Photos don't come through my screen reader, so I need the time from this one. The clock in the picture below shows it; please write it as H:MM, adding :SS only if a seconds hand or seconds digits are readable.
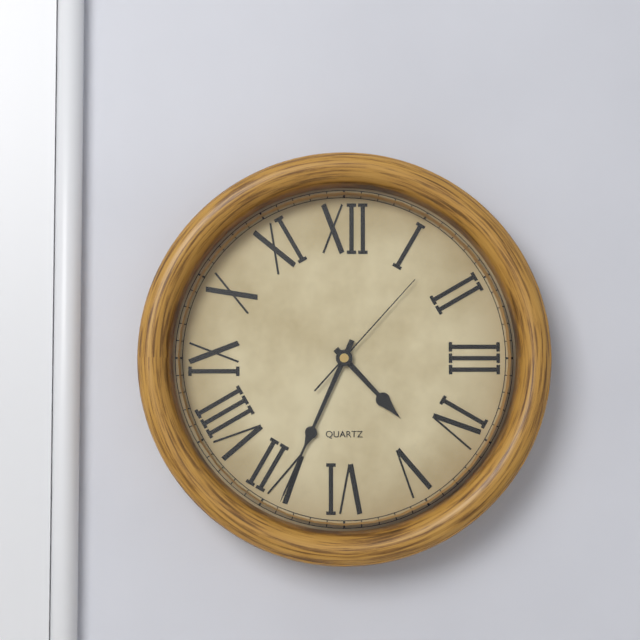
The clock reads 4:34:07
